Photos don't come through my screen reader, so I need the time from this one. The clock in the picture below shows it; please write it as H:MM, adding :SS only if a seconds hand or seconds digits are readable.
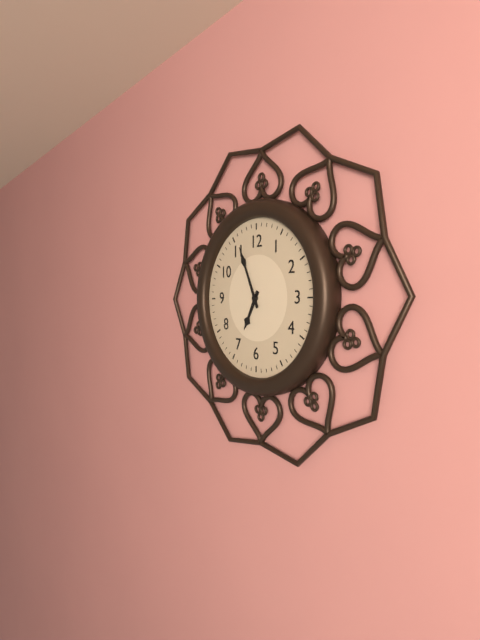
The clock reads 6:56
